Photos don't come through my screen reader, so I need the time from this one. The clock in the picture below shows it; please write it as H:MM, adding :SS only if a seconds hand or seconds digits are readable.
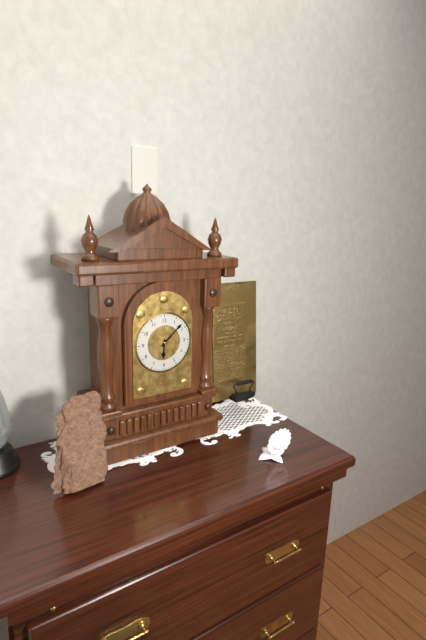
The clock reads 6:08
